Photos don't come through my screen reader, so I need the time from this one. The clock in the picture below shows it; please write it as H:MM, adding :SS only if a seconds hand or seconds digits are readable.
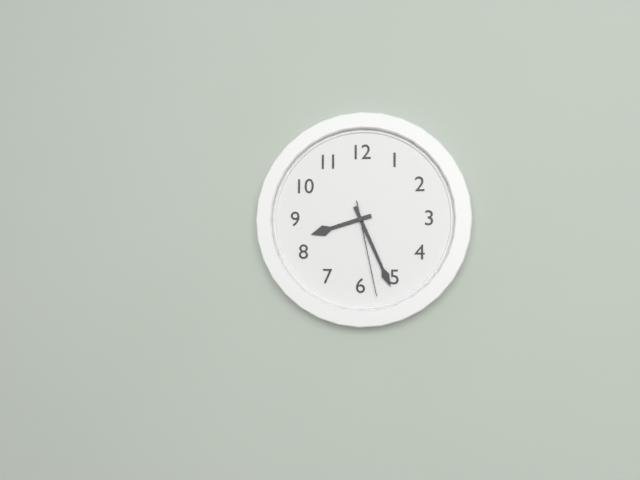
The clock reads 8:26:28
